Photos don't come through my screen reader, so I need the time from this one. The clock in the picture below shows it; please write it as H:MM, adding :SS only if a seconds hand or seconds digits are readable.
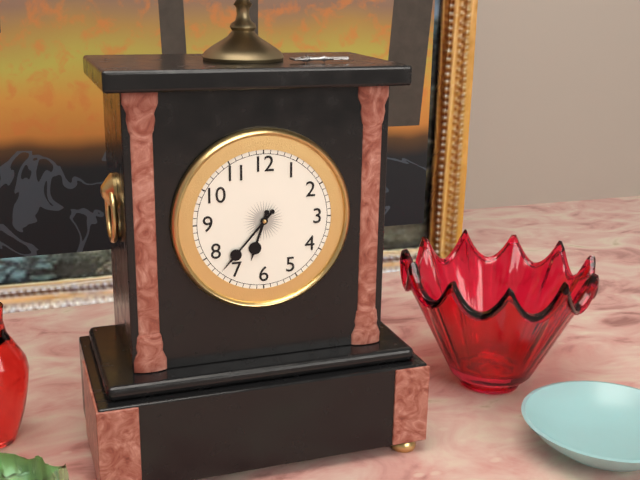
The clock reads 6:37
